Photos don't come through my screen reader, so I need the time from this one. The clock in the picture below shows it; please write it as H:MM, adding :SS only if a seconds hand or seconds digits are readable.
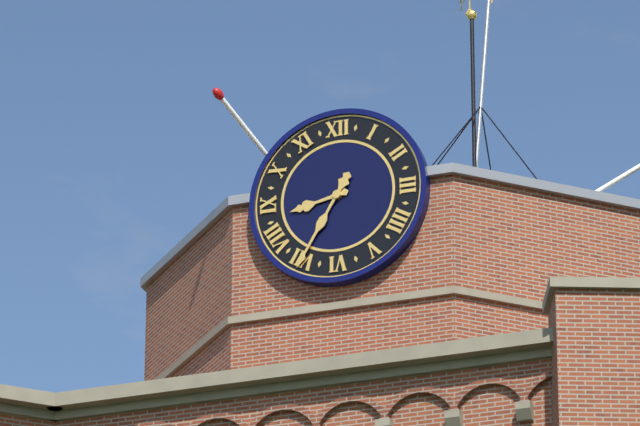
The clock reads 8:35
